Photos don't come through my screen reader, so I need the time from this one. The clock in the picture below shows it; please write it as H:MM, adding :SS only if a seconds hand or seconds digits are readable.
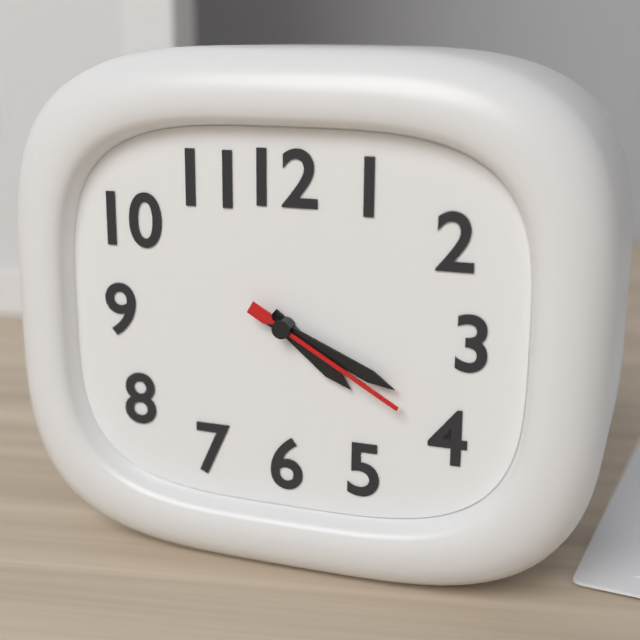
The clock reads 4:19:20
